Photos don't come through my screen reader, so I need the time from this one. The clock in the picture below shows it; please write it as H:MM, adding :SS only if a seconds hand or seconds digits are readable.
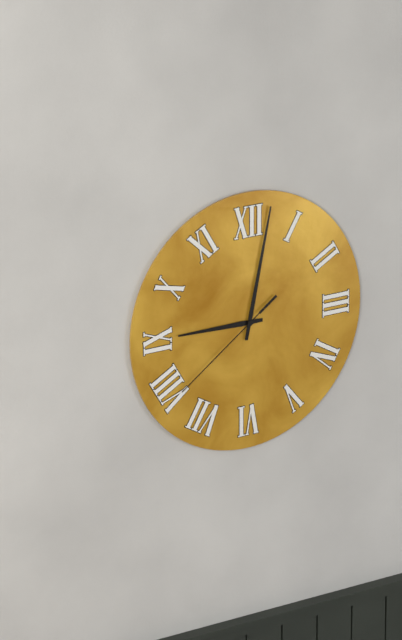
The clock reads 9:02:39
